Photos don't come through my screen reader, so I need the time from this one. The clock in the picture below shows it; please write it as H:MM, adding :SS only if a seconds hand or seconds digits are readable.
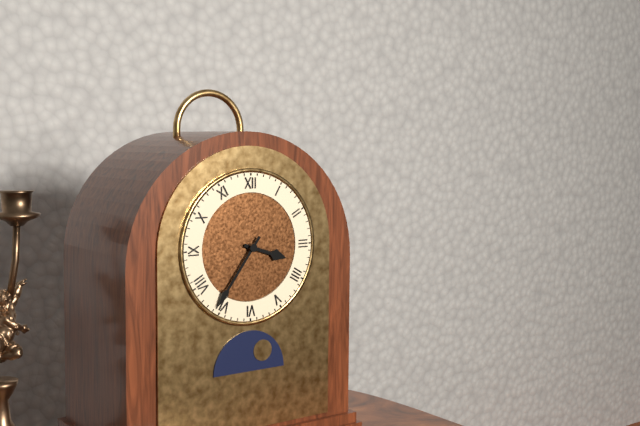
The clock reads 3:36
